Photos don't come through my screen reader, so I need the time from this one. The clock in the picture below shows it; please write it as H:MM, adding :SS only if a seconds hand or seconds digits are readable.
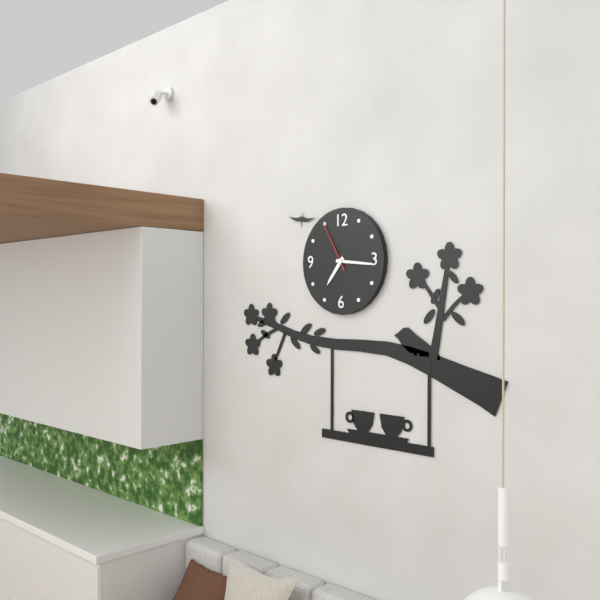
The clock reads 7:16:55
